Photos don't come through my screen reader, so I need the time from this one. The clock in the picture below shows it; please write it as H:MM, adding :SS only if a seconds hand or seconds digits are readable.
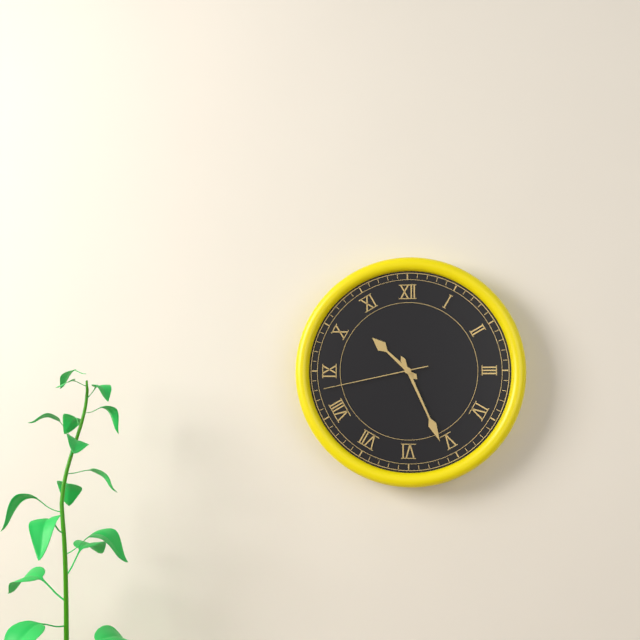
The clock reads 10:26:43
